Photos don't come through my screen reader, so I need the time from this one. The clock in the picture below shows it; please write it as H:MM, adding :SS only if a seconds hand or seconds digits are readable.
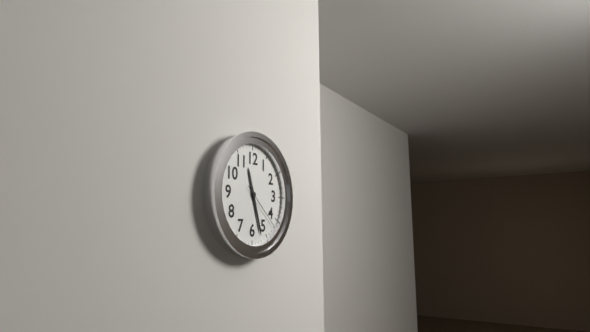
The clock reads 11:27
